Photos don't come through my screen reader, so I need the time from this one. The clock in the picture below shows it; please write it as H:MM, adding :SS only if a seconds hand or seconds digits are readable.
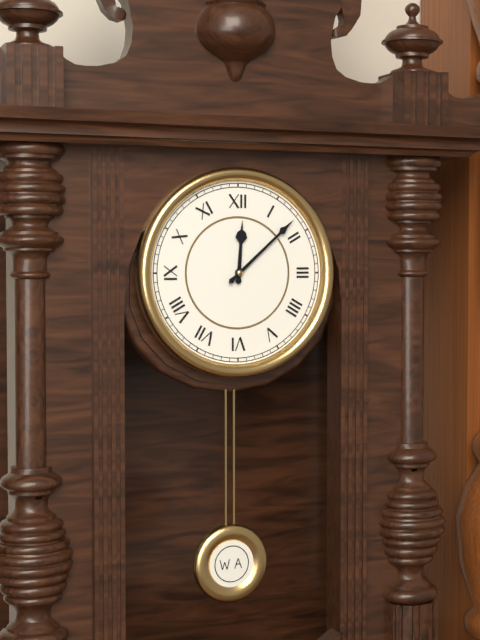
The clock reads 12:08
